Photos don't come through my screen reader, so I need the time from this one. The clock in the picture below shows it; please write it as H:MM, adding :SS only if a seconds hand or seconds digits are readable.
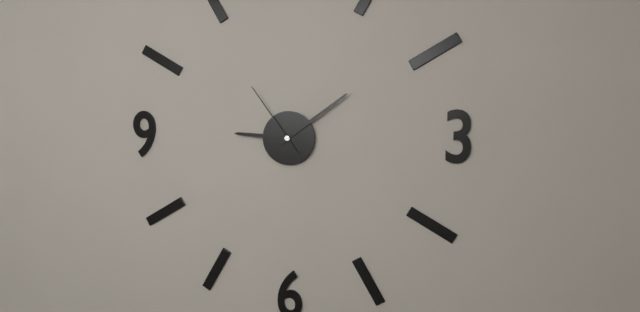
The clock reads 9:09:54
